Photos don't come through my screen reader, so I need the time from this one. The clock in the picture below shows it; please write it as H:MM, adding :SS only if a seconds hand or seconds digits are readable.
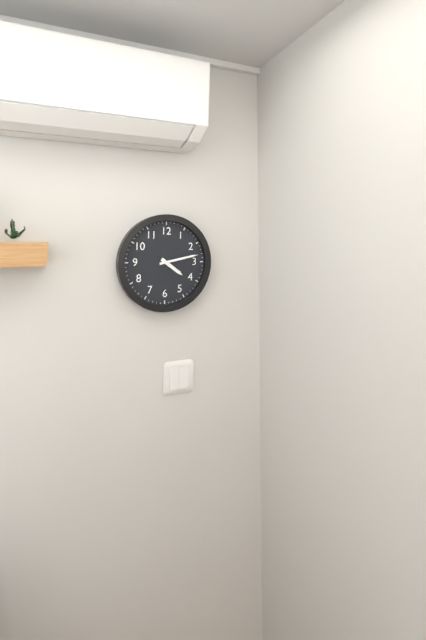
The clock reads 4:13
